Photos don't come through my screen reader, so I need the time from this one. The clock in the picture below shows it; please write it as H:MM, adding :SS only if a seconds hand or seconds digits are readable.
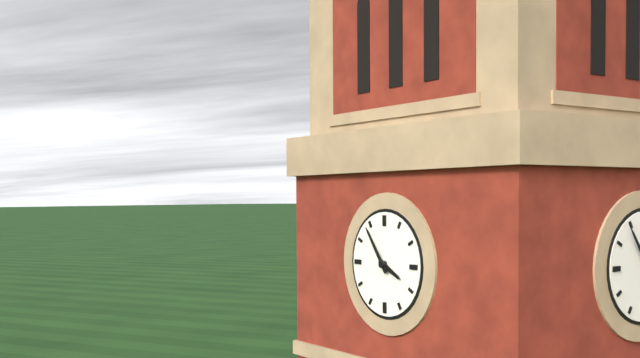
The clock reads 3:54
